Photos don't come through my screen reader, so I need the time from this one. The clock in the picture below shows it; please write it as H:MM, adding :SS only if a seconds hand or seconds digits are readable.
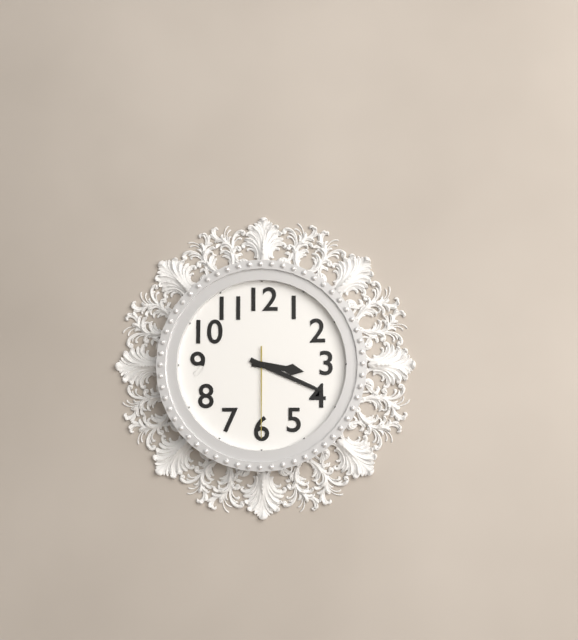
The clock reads 3:19:30
